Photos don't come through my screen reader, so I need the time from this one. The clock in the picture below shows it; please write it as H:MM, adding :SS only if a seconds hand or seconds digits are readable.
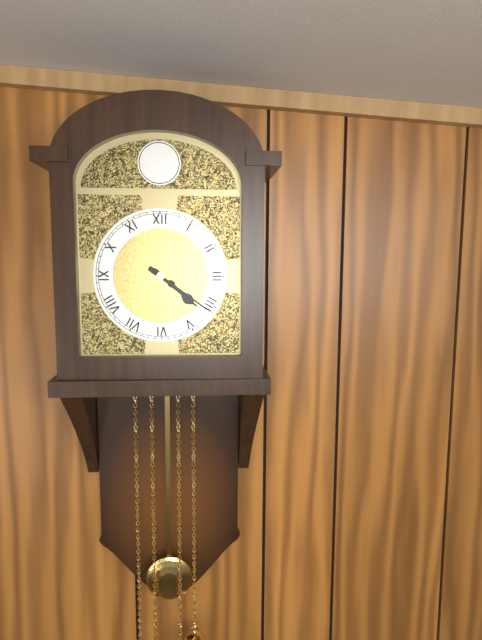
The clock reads 4:21
